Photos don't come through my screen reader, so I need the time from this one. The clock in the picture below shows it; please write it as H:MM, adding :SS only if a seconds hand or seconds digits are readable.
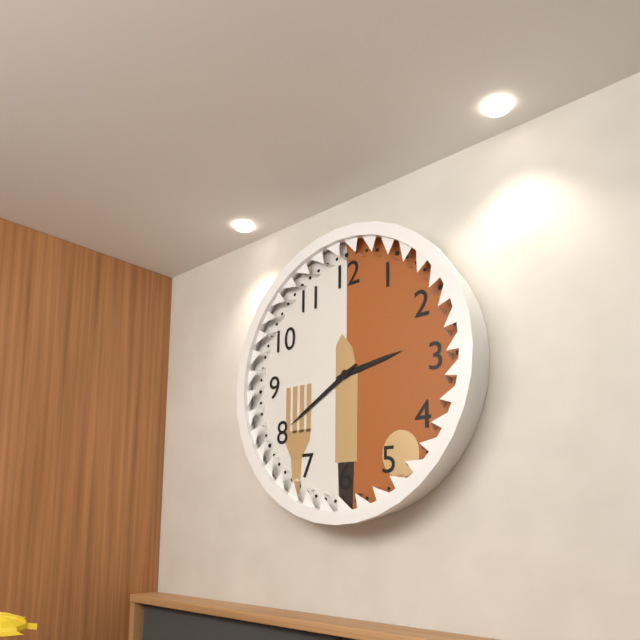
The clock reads 2:40
